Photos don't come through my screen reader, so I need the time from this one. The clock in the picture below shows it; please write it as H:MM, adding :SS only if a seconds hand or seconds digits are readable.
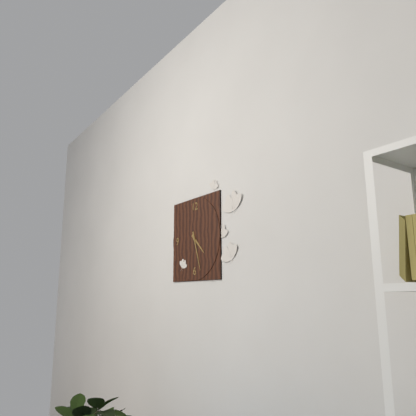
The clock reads 4:27
